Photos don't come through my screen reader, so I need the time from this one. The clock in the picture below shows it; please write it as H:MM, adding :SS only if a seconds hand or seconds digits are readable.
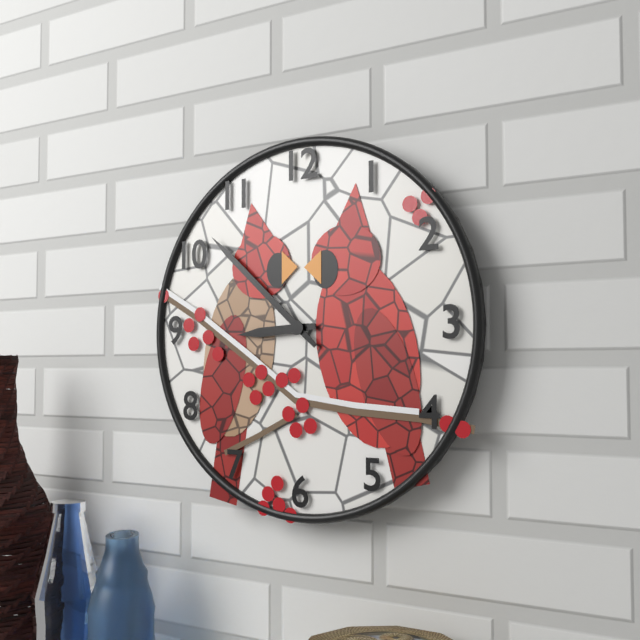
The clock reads 8:52
